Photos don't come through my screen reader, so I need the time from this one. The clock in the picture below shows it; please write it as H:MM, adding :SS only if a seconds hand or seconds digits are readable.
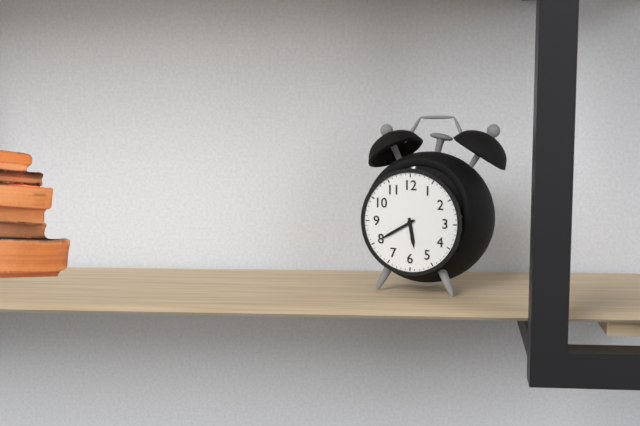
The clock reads 5:40
